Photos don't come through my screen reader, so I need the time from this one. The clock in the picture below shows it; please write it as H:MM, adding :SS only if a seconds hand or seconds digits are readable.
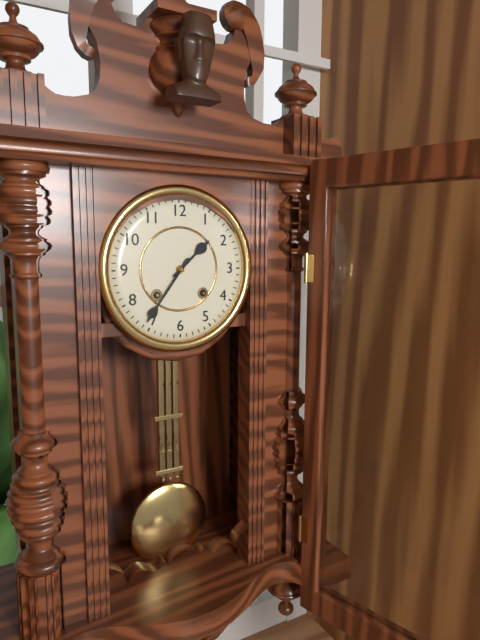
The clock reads 1:36
